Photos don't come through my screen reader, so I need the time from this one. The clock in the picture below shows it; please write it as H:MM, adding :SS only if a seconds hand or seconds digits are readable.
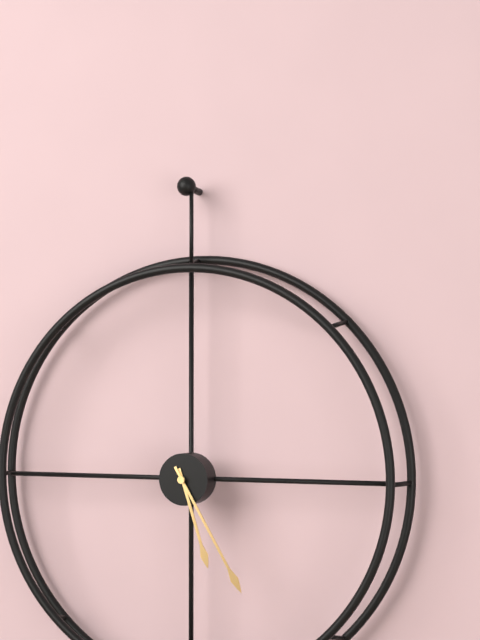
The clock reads 5:25
